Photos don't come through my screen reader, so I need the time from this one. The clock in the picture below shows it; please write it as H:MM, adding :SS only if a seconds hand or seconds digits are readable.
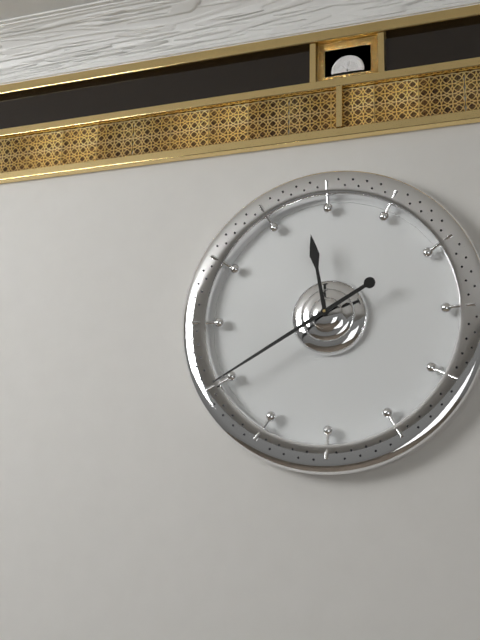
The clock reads 11:40
